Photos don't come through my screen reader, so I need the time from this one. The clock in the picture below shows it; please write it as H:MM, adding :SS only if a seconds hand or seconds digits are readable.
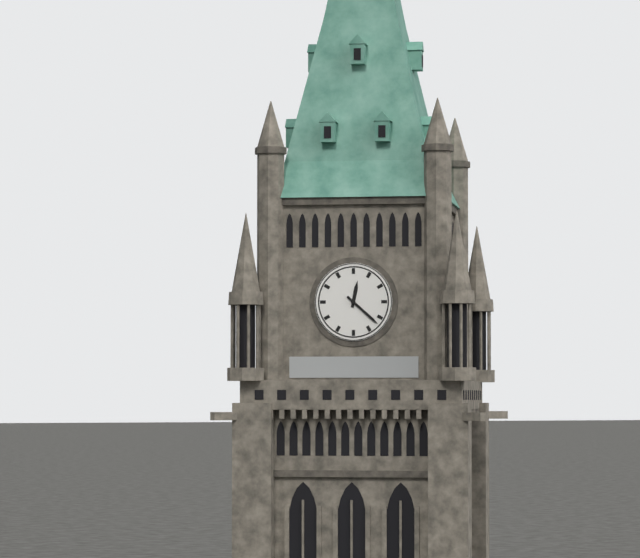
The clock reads 12:22
